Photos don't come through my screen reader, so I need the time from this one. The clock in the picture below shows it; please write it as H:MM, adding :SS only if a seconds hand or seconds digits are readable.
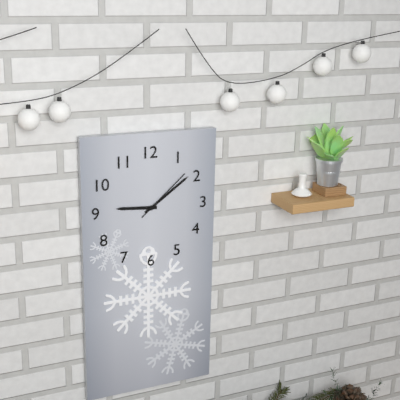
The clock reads 9:09:08
